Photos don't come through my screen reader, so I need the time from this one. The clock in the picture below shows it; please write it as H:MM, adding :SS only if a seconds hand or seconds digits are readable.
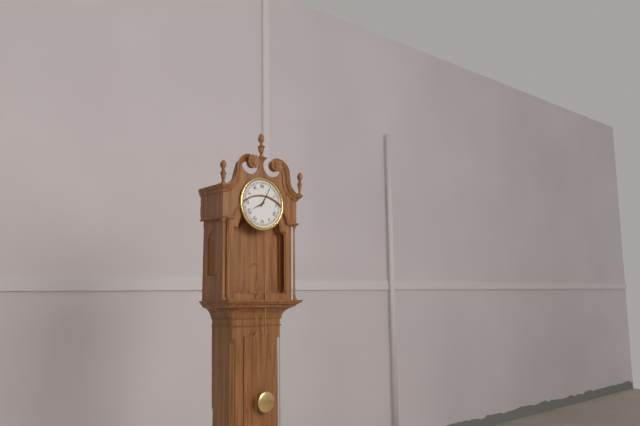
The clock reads 8:05
